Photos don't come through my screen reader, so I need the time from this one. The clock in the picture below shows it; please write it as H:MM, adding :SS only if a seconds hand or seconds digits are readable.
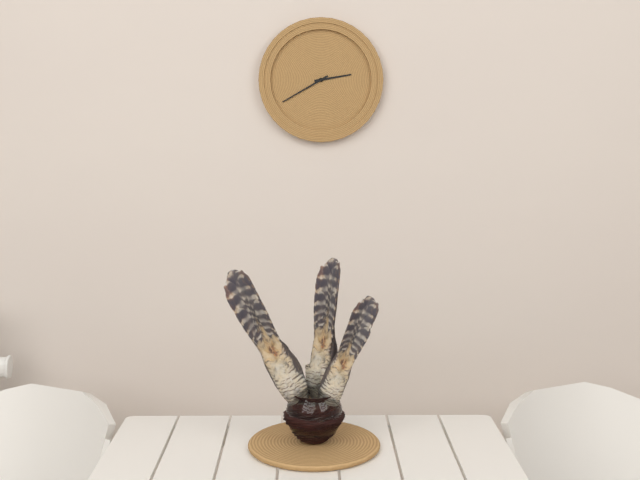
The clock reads 2:40
